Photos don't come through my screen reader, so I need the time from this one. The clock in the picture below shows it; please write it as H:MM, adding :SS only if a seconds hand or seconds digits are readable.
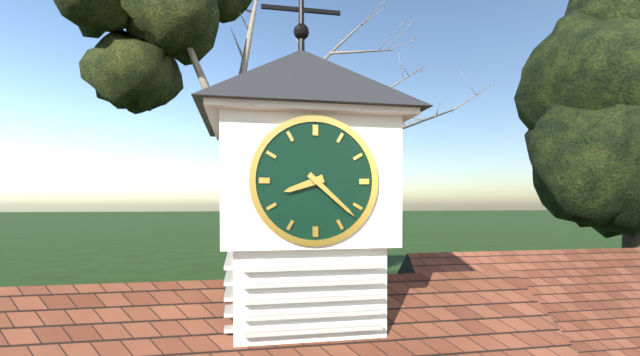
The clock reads 8:22
